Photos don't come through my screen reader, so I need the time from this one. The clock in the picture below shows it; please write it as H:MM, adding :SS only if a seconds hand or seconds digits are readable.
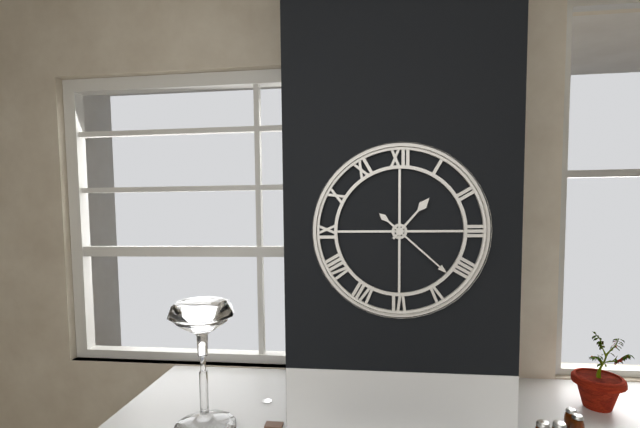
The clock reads 1:22
